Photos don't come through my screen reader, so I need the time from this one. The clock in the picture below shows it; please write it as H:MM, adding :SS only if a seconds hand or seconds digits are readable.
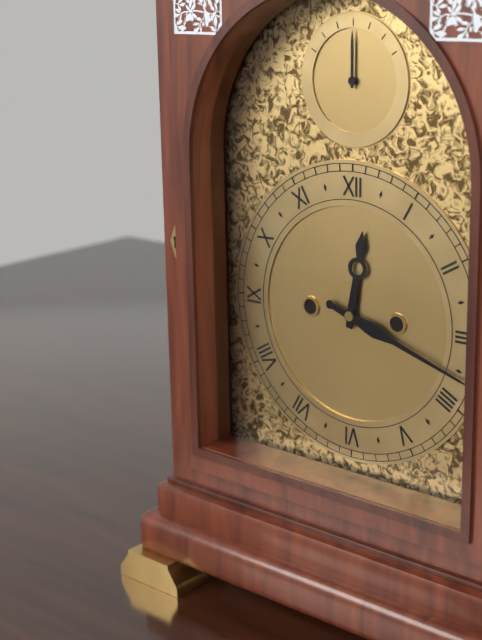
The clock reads 12:18
